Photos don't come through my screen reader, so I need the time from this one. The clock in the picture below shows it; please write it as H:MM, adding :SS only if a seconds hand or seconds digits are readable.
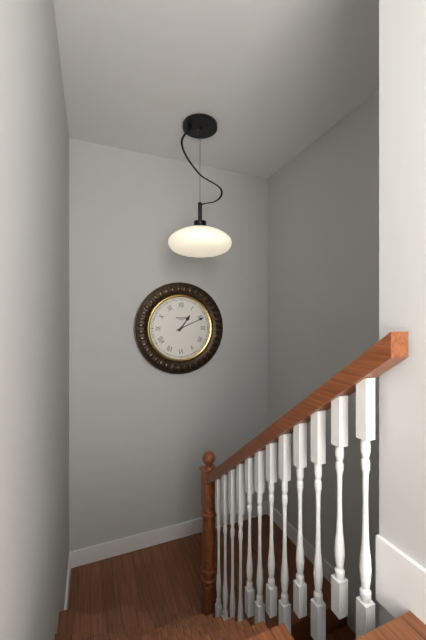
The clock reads 1:11
